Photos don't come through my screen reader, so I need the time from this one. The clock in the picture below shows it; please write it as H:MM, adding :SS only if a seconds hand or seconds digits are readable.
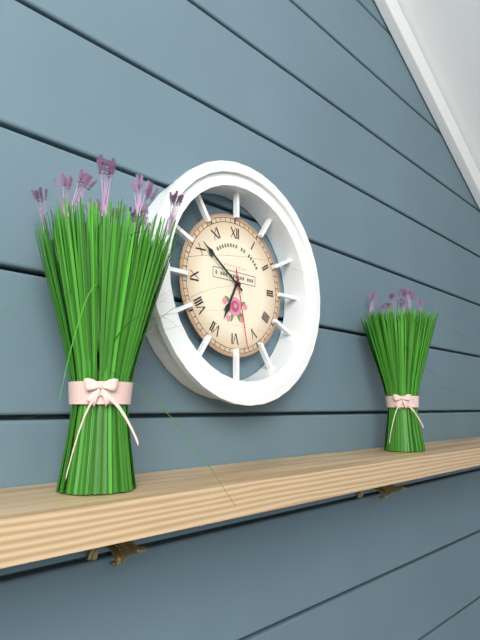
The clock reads 6:51:28
